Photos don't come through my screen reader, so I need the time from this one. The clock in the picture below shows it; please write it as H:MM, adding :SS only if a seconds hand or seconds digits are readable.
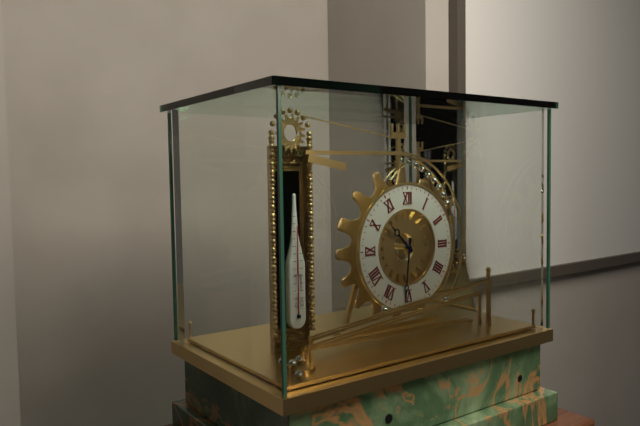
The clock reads 10:31
